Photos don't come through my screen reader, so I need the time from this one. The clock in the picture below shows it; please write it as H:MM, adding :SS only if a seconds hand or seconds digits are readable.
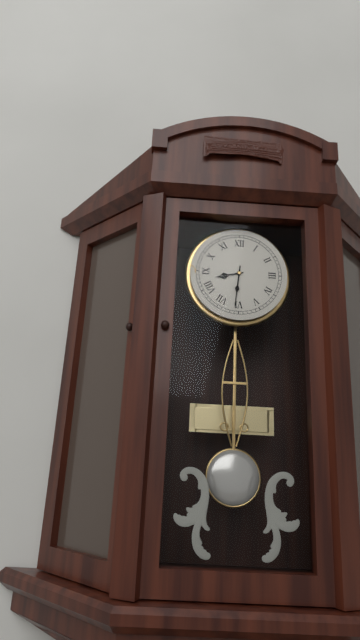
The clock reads 8:31
